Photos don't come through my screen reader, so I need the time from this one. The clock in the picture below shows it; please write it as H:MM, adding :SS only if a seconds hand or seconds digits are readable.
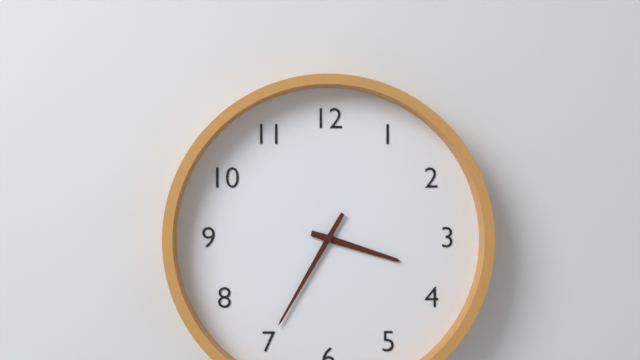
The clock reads 3:35
